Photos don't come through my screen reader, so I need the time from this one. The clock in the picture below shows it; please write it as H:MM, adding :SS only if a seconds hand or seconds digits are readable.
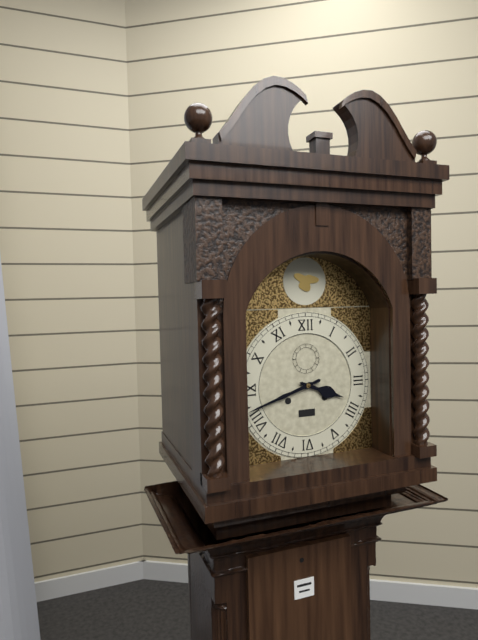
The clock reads 3:42
